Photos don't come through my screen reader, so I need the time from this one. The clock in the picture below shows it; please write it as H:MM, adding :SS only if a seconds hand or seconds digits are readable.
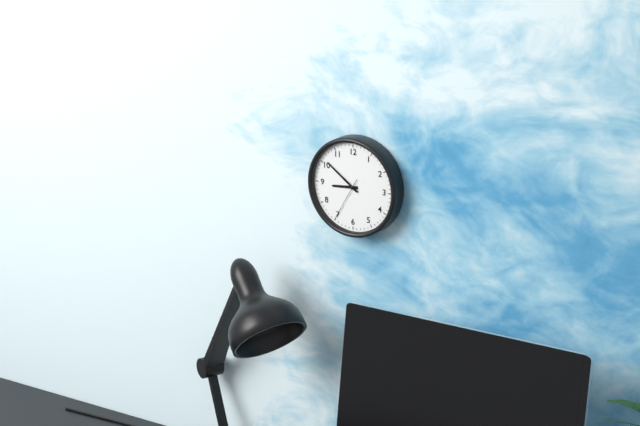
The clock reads 8:51:35
